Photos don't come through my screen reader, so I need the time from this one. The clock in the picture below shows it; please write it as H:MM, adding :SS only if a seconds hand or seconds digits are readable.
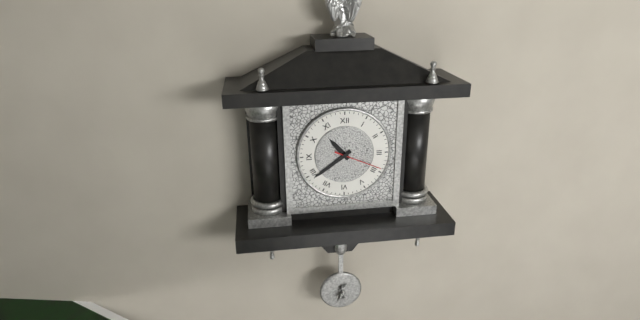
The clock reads 10:39:19
